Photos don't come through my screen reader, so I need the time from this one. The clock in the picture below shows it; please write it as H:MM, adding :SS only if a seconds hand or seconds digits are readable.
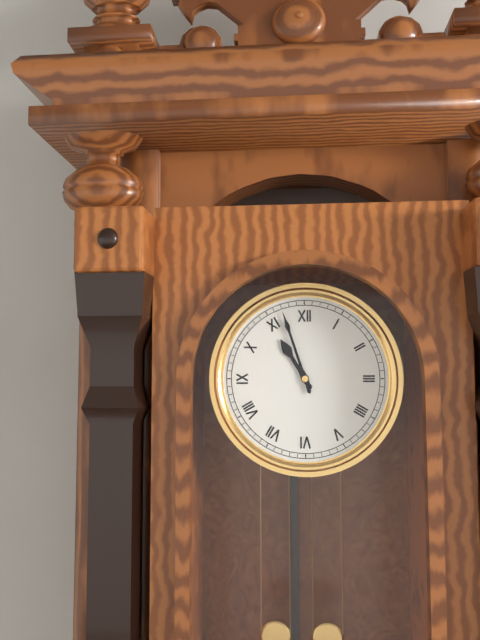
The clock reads 10:57
